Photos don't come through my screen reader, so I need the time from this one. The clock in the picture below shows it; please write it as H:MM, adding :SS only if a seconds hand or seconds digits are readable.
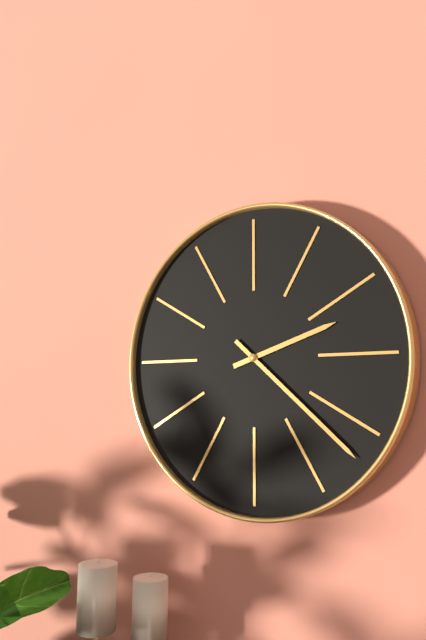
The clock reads 2:22
